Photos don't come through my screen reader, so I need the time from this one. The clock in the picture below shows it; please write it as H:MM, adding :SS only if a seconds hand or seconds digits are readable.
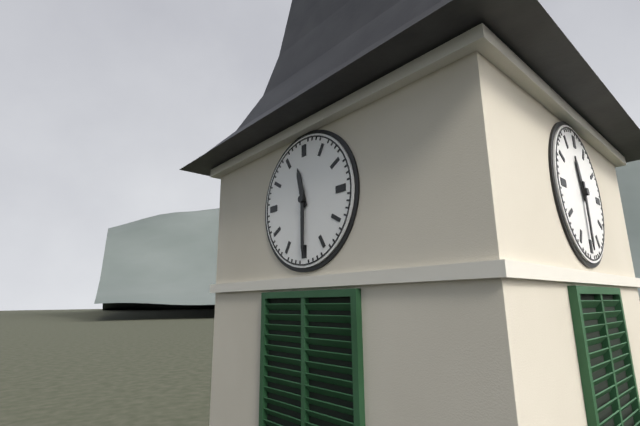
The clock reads 11:30
